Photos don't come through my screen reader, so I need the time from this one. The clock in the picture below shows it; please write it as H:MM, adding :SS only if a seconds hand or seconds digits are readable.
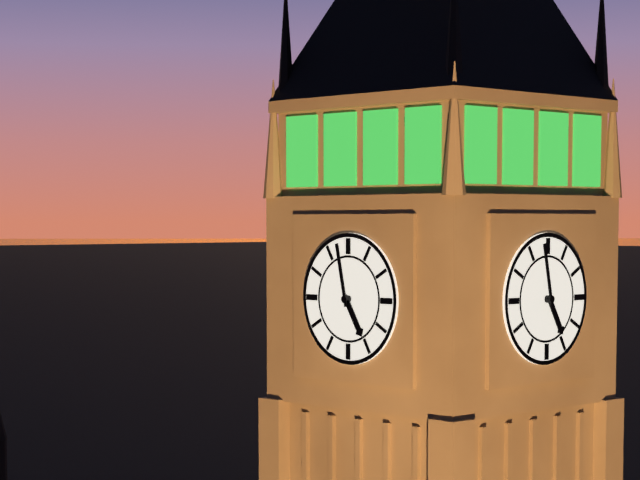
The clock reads 4:58
